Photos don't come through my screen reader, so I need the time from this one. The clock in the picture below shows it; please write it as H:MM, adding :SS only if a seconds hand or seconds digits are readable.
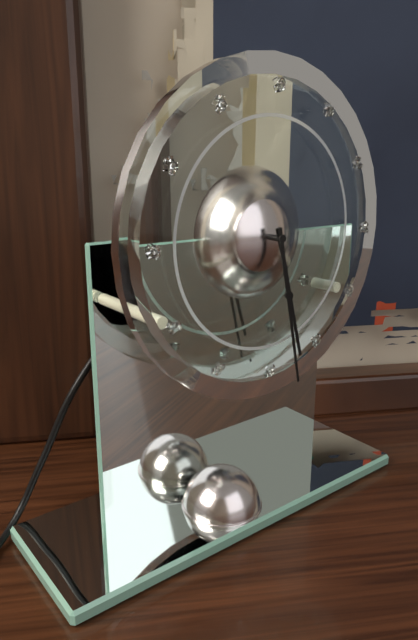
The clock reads 5:28
